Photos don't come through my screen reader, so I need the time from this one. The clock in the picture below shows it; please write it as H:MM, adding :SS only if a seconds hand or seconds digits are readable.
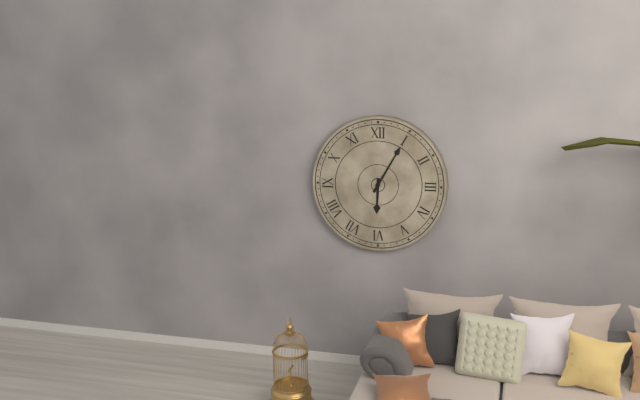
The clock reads 6:05
